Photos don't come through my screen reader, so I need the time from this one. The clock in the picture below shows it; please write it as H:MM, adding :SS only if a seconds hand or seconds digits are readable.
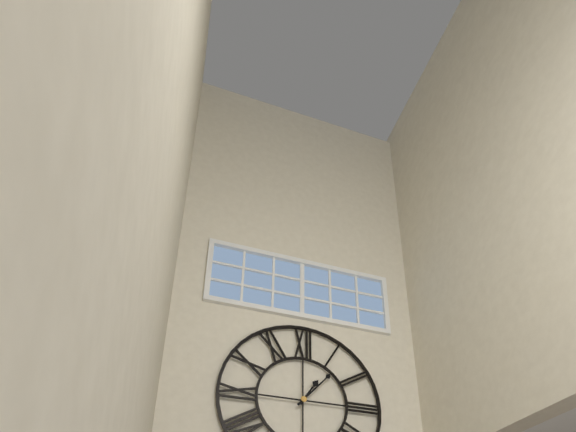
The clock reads 1:07
